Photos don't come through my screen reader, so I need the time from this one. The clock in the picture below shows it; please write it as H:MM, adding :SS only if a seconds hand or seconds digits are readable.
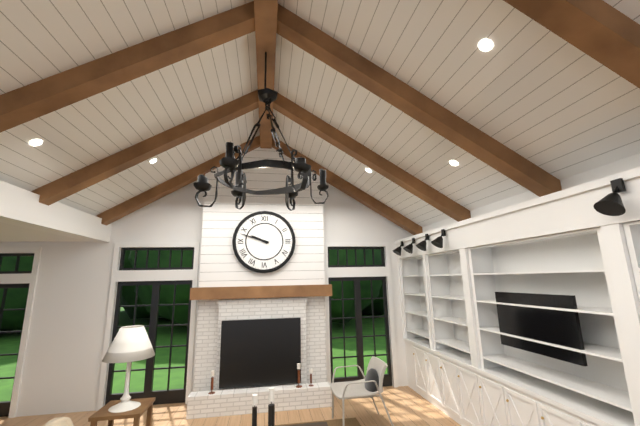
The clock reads 9:48
